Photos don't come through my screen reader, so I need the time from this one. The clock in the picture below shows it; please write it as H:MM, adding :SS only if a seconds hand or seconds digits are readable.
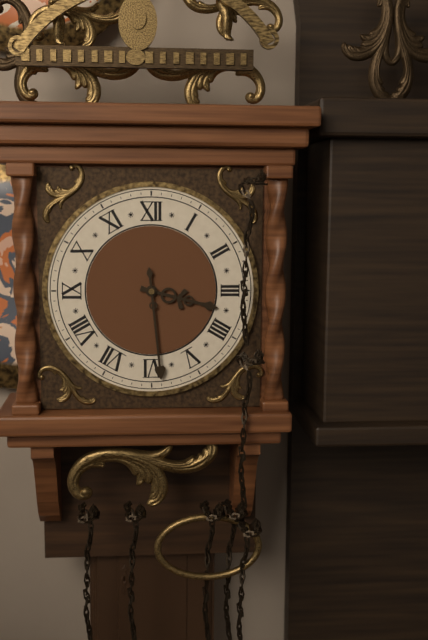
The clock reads 3:29
